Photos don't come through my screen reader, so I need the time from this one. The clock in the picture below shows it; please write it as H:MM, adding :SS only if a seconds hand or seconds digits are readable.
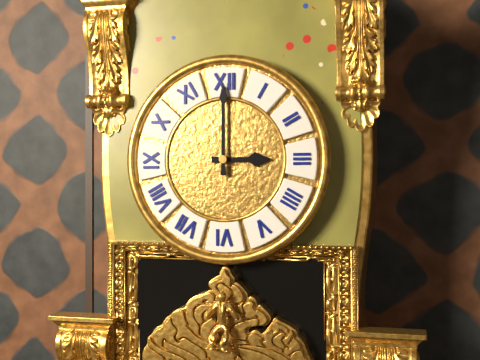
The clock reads 3:00
